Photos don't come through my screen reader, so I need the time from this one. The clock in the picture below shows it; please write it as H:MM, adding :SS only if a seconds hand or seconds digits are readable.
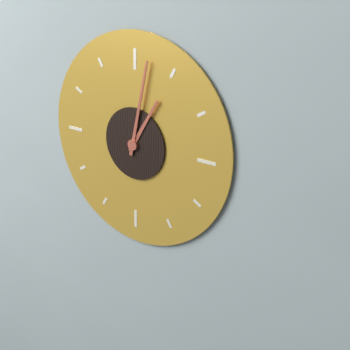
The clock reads 1:02
